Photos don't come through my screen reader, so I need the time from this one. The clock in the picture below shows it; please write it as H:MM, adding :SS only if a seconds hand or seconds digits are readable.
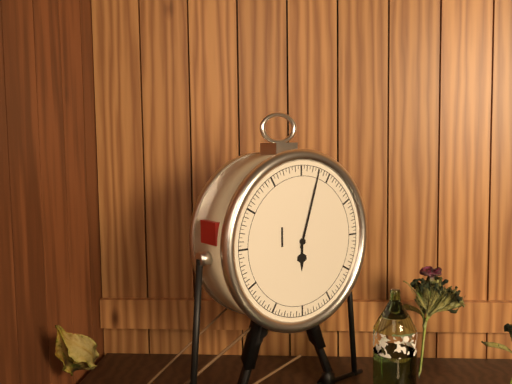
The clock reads 6:03
